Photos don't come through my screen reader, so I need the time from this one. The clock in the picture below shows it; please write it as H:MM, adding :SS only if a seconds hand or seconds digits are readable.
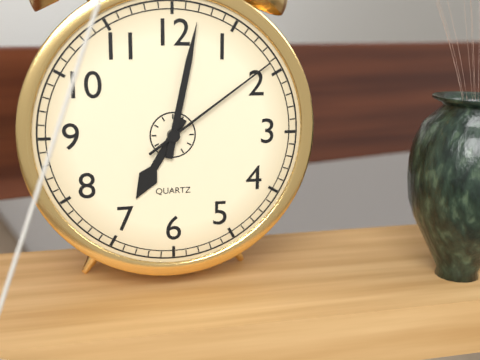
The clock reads 7:02:09
